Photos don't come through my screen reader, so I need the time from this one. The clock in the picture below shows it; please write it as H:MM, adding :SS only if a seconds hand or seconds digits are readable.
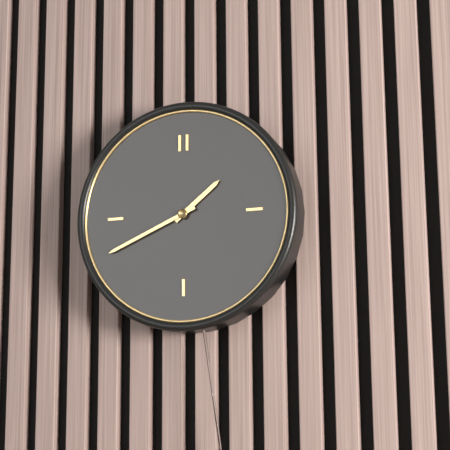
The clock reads 1:41
